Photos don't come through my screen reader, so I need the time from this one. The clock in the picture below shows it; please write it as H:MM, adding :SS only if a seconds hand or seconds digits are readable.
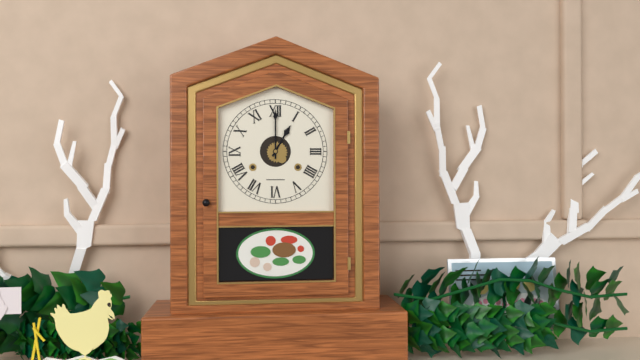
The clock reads 1:00
